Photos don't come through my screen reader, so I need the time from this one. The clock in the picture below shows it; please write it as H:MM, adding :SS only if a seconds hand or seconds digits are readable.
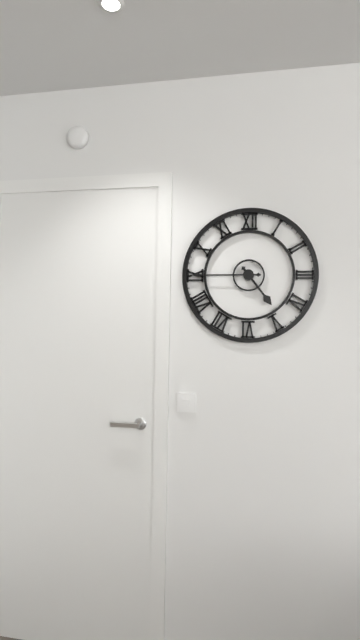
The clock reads 4:45
